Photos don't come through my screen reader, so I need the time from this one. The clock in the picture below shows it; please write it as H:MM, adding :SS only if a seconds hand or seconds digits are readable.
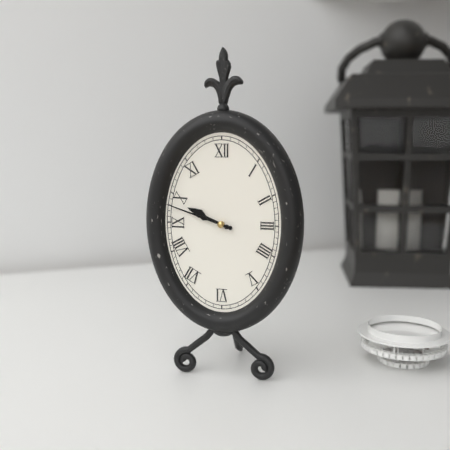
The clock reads 9:48
